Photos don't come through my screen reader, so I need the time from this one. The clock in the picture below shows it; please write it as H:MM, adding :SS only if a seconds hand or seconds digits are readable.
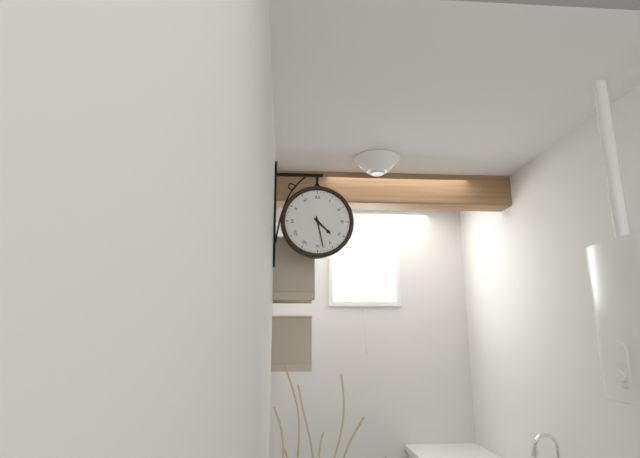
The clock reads 4:28
